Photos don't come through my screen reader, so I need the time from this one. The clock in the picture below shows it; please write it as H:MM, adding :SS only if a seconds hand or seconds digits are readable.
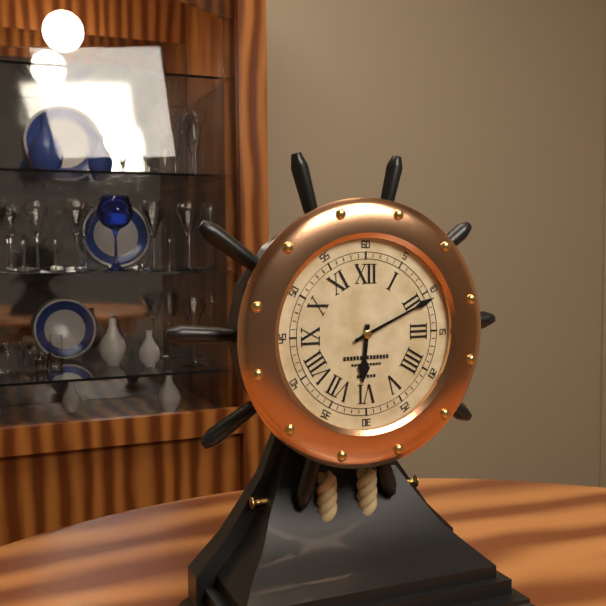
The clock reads 6:11
